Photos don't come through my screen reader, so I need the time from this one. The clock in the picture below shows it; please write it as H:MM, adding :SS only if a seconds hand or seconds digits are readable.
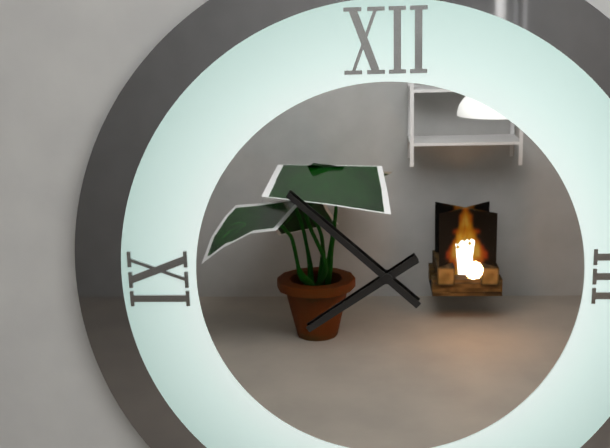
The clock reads 7:52
